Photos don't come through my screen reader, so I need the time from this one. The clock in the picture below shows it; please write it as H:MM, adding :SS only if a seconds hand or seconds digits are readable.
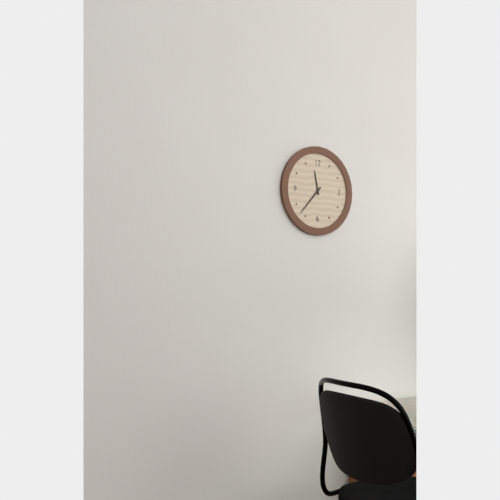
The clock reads 11:37
